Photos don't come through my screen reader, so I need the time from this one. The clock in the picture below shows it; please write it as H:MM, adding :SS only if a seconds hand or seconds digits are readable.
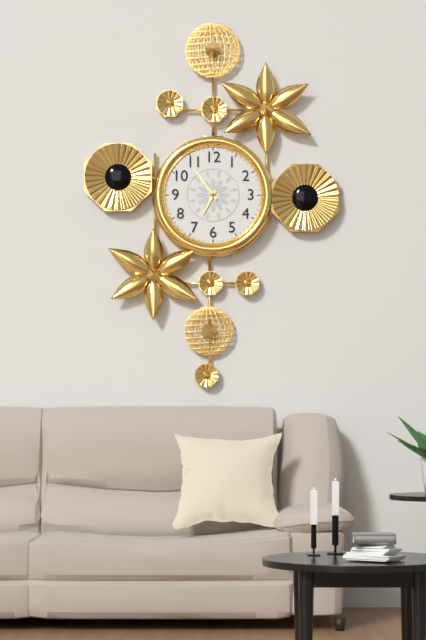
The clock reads 6:54
